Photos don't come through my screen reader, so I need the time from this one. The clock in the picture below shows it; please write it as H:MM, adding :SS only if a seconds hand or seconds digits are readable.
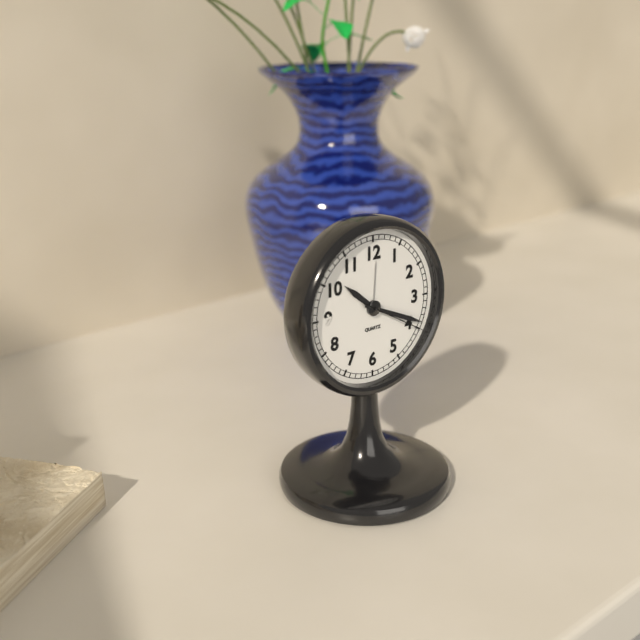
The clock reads 10:19:20
